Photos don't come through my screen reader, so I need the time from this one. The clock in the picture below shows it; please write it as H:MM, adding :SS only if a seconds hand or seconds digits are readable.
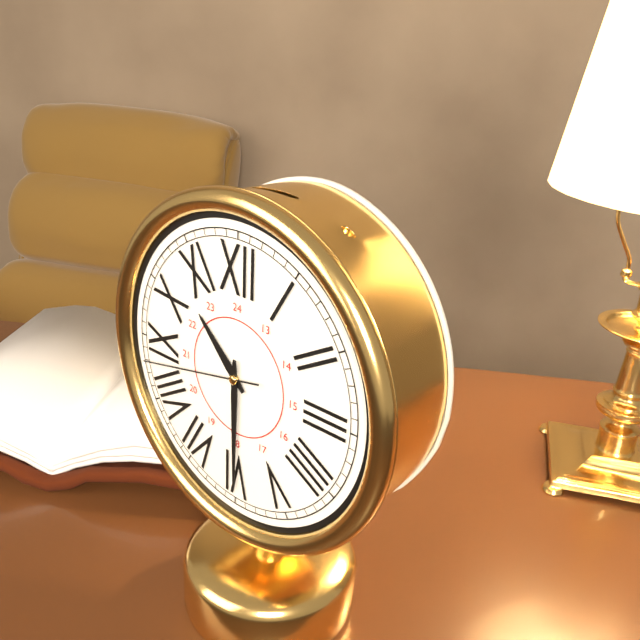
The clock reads 10:30:43
